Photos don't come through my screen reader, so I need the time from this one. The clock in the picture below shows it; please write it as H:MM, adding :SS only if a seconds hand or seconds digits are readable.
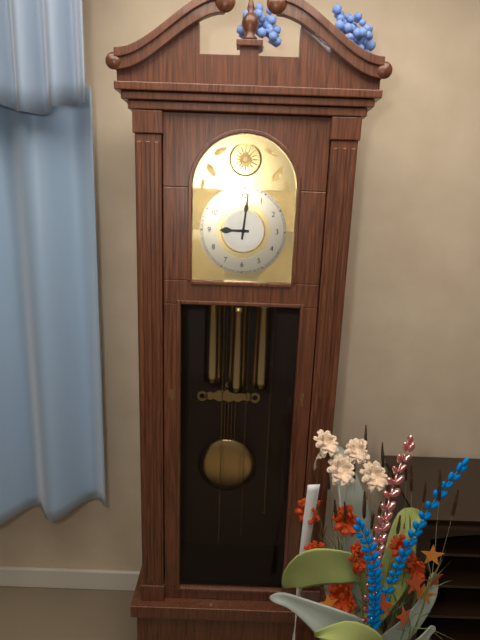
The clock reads 9:01
